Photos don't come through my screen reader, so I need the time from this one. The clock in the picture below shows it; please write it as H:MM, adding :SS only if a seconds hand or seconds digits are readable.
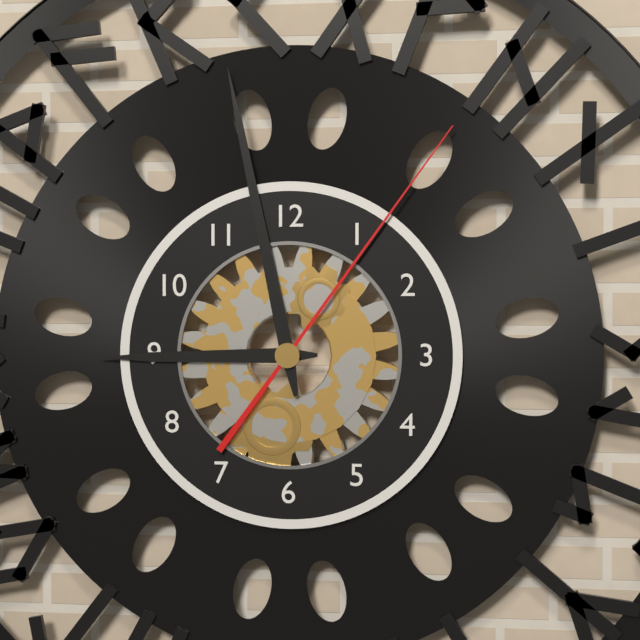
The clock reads 8:58:06
